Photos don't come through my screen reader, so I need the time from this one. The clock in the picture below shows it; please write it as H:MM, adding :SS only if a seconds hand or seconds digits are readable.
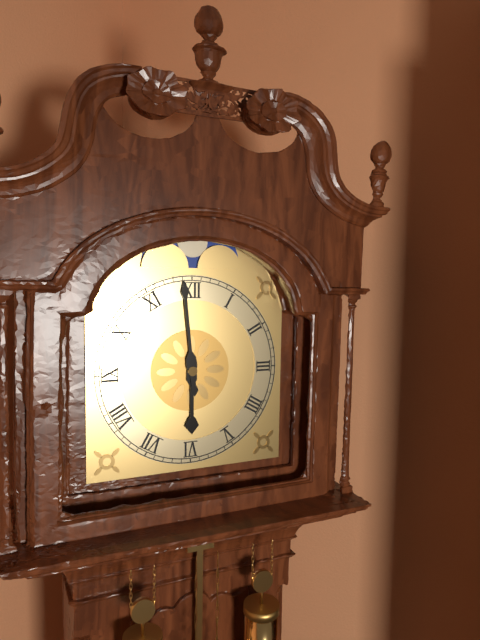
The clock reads 5:59
